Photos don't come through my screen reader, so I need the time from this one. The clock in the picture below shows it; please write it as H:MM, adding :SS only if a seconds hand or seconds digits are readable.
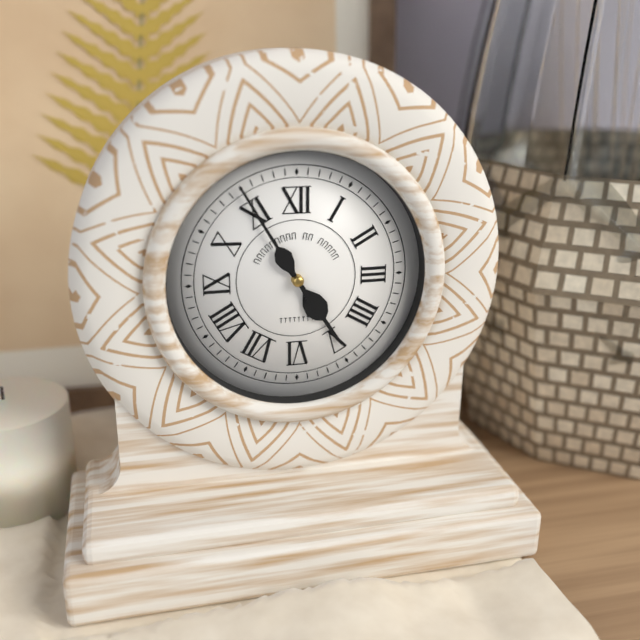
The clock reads 4:55
